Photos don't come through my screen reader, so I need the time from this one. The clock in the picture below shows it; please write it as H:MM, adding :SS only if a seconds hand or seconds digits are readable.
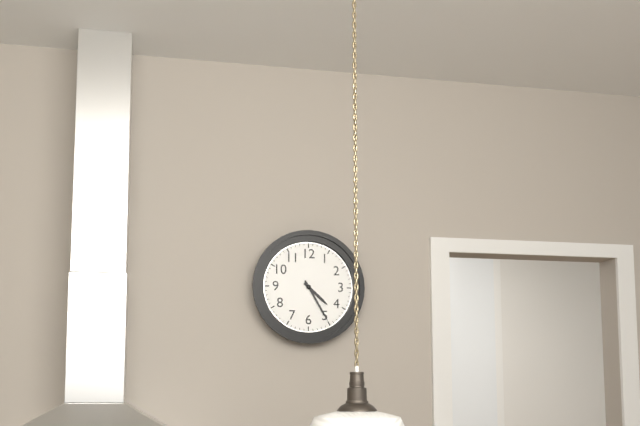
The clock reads 4:25
